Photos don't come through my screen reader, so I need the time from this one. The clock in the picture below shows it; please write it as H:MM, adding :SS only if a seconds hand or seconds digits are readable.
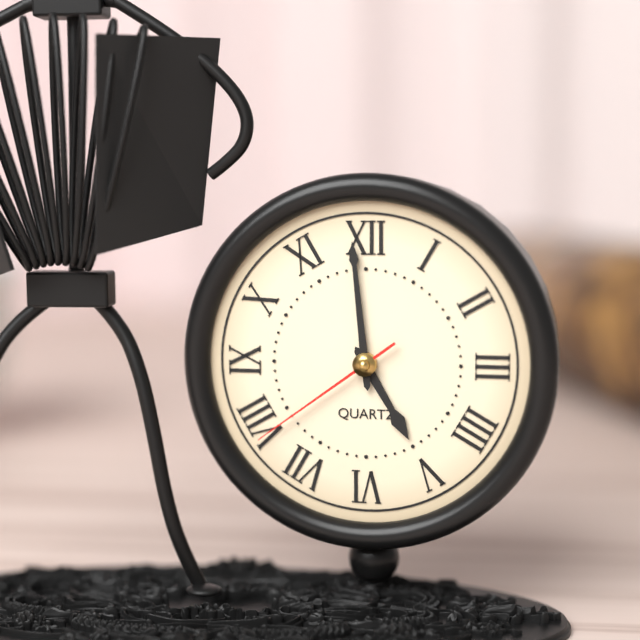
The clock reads 4:59:39
